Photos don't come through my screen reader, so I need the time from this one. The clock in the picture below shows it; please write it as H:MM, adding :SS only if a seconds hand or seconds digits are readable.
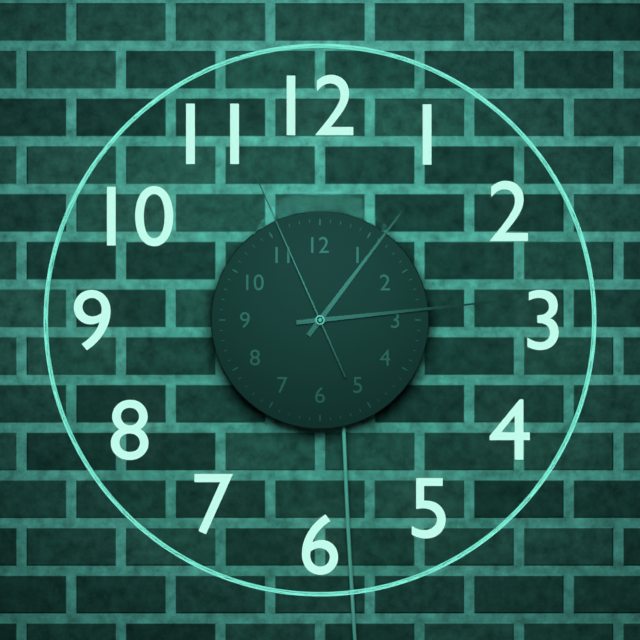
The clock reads 1:14:56
